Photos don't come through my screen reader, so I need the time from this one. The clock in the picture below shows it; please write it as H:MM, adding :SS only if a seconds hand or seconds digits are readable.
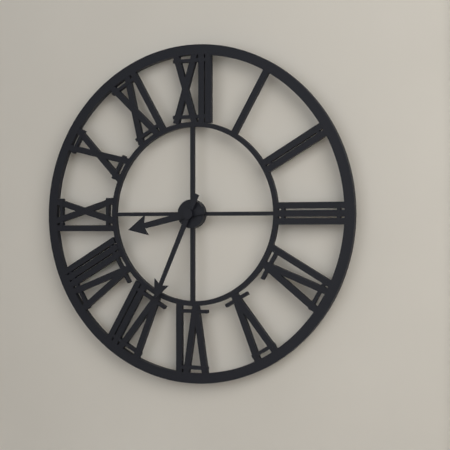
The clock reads 8:34
